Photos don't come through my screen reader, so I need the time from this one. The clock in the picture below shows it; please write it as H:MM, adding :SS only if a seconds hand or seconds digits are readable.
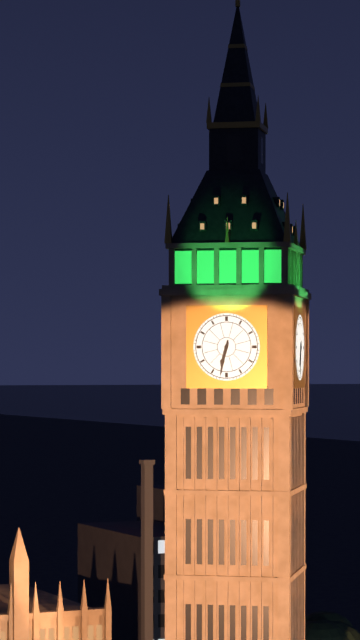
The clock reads 6:32
